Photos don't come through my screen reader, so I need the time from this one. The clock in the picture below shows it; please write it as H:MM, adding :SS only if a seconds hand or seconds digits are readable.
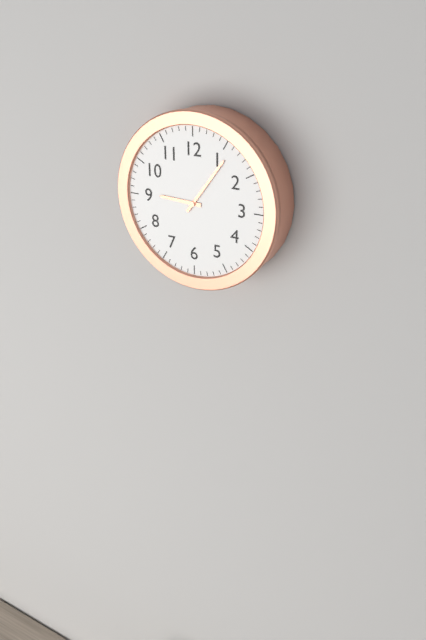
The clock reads 9:06
